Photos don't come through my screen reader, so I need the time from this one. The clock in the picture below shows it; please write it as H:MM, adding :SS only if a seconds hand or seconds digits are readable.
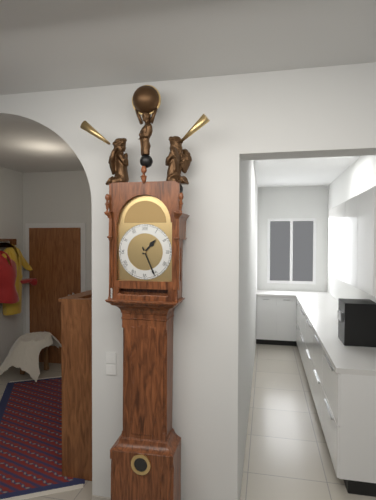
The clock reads 1:26
